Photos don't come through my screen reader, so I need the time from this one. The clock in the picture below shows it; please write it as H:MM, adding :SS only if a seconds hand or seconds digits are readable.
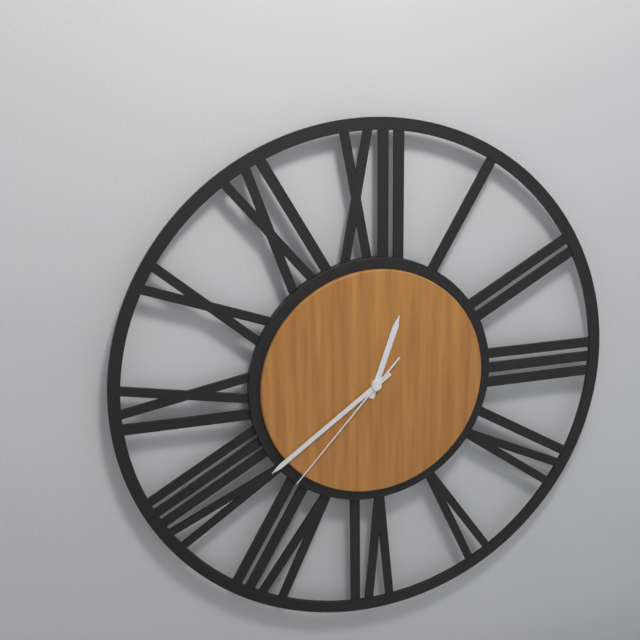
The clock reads 12:39:37
